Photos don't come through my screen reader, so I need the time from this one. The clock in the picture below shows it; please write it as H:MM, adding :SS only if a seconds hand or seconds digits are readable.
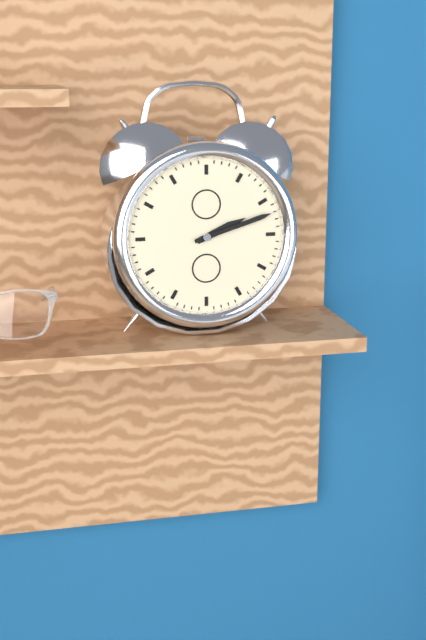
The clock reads 2:12
